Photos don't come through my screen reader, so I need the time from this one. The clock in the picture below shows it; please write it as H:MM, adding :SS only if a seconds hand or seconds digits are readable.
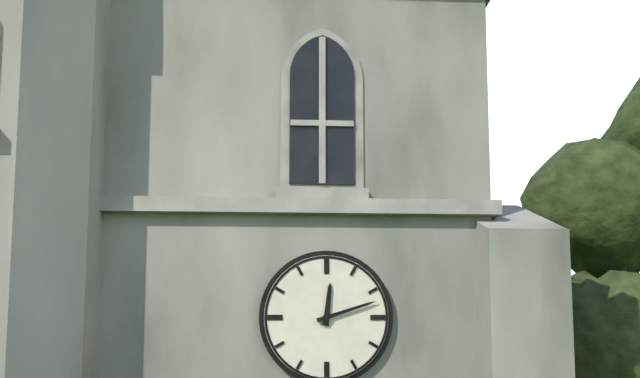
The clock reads 12:12
